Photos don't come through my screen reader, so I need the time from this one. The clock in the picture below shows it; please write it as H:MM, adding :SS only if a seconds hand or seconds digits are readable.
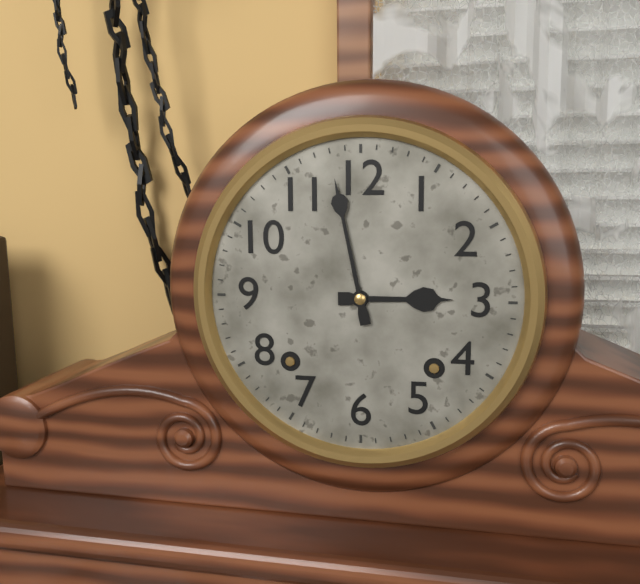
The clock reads 2:58
